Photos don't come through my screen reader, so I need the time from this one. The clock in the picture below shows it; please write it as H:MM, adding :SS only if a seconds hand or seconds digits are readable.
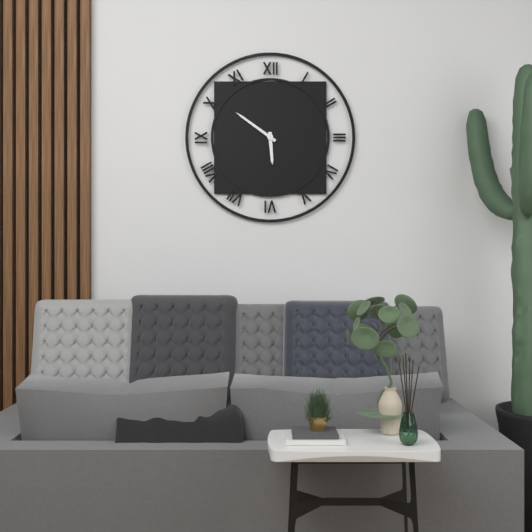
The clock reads 5:51
